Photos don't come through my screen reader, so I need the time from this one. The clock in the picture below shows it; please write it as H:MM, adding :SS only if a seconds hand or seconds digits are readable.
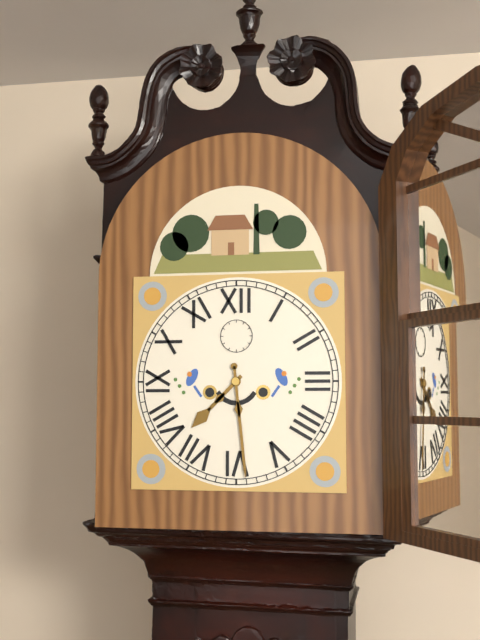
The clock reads 7:29
